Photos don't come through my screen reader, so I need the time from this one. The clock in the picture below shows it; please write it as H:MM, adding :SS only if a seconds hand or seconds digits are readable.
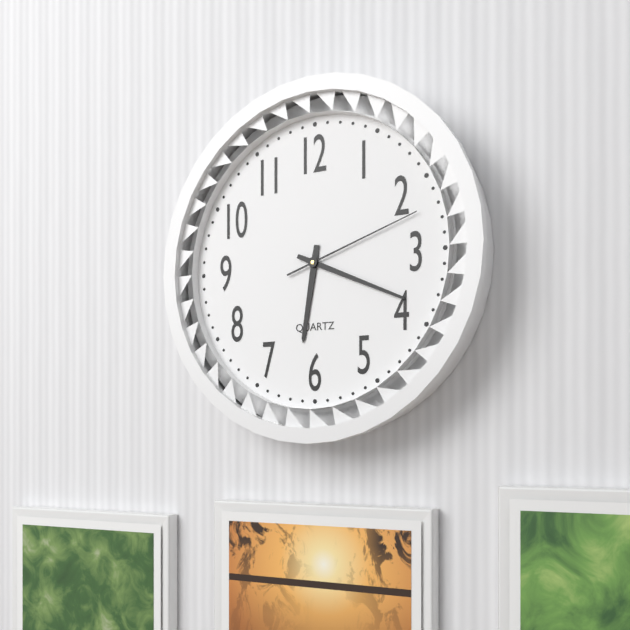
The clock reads 6:19:12
